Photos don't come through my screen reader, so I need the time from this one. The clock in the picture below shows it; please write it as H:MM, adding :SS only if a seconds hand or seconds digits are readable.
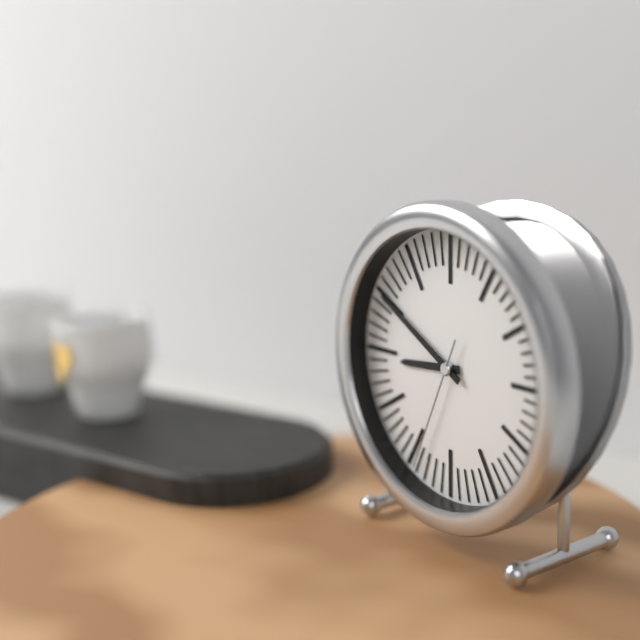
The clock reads 8:50:34
